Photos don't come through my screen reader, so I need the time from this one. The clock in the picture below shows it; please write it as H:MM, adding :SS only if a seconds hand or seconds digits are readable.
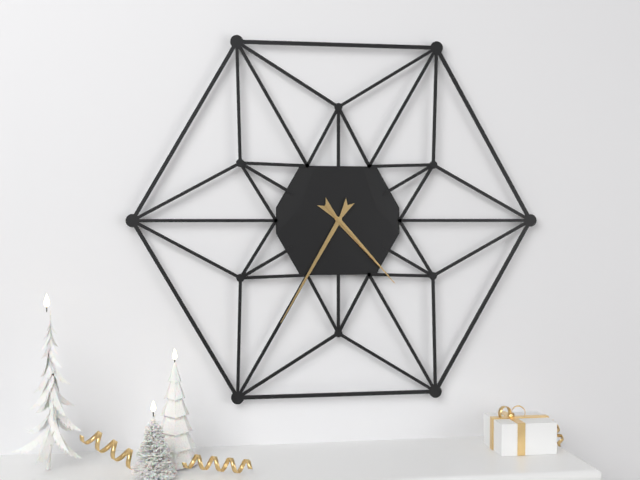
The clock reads 4:35:23
